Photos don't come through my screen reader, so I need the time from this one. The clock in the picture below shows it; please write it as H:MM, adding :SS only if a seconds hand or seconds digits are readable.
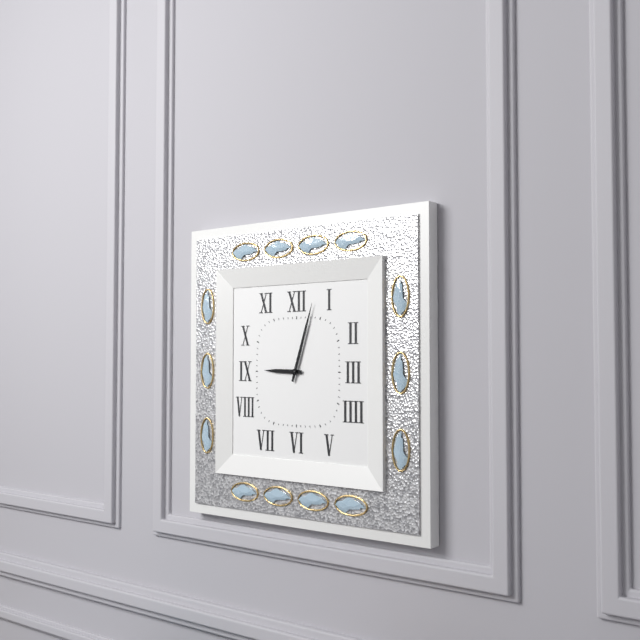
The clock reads 9:03
